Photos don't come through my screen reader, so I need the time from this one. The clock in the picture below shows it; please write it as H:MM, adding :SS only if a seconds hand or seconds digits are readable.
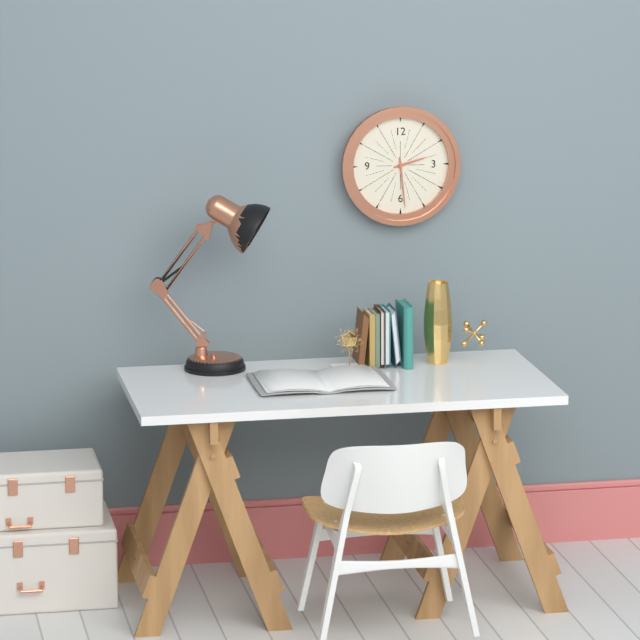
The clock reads 2:29
